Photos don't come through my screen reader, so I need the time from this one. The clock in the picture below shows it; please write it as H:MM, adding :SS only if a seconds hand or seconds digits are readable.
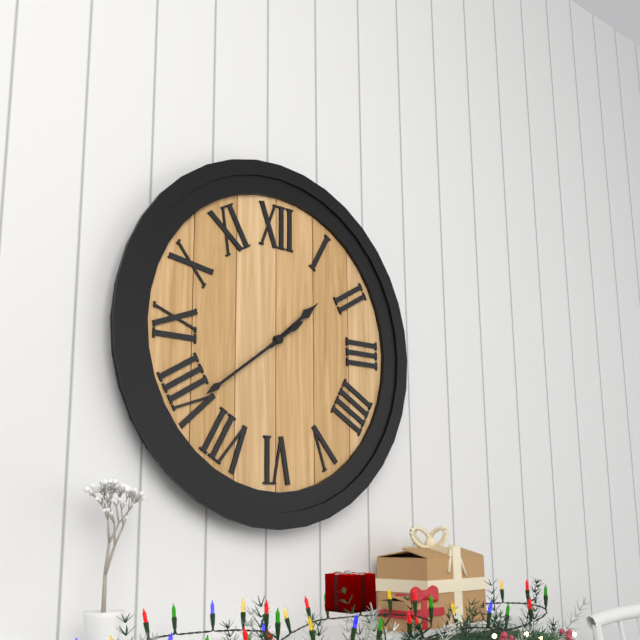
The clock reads 1:39
